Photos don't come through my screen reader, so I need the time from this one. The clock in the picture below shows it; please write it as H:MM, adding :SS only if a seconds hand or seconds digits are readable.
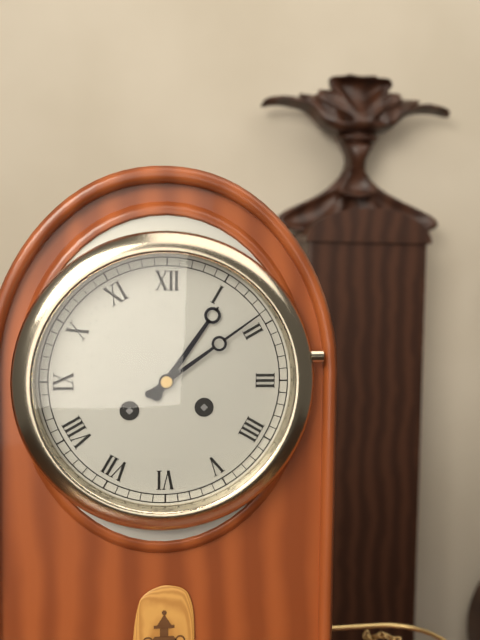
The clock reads 1:09
